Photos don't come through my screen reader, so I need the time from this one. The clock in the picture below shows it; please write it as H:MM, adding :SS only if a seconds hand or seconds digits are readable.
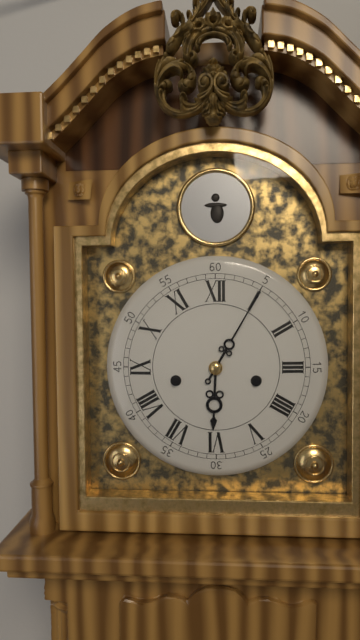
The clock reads 6:05
